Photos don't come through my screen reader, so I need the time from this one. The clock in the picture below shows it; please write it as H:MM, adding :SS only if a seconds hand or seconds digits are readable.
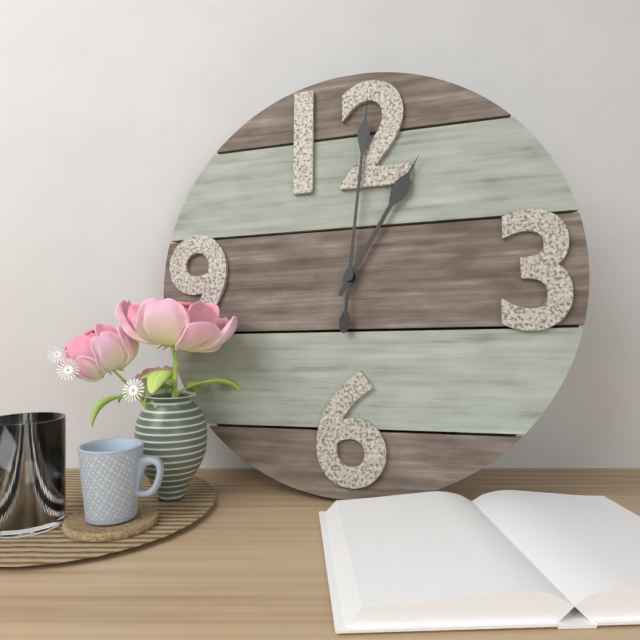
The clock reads 1:01
